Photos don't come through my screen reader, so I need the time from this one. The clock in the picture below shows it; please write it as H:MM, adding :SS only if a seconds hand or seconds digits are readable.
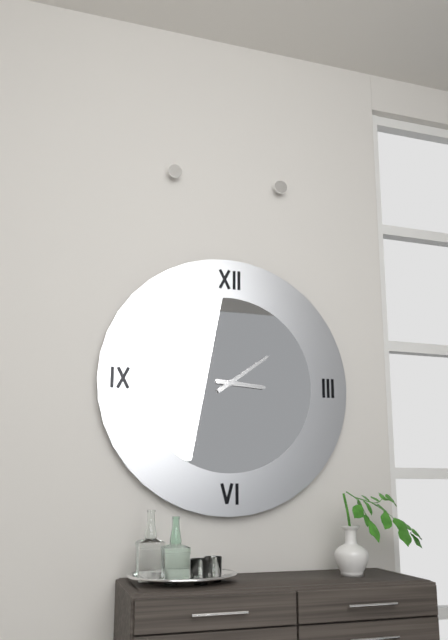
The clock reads 3:09
